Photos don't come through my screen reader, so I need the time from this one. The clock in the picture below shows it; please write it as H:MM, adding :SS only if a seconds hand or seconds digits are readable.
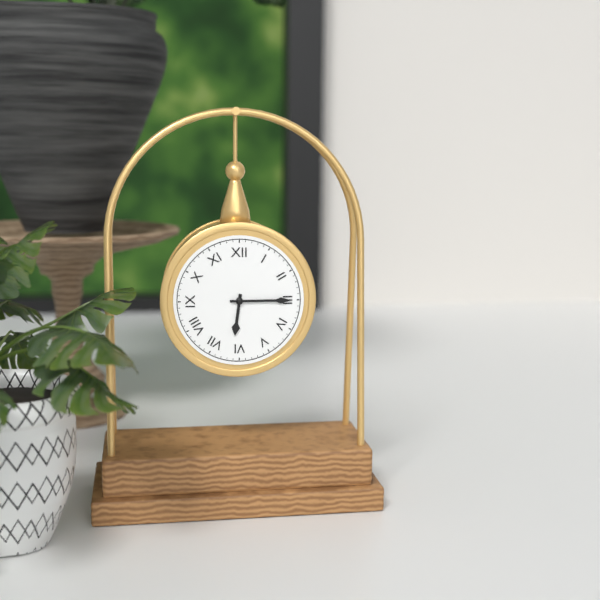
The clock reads 6:15
